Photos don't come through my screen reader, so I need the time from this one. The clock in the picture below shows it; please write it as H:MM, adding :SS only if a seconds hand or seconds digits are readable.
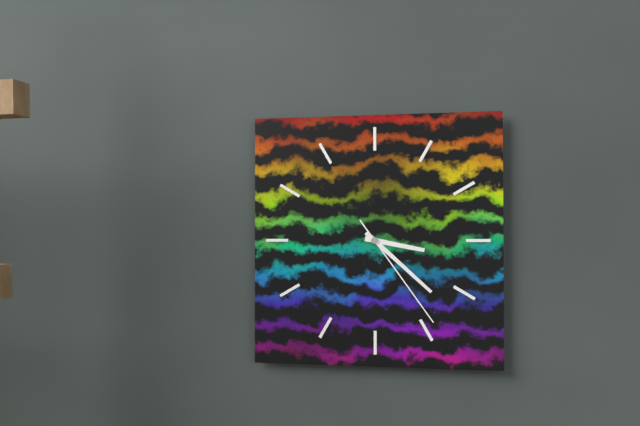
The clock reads 3:22:24
